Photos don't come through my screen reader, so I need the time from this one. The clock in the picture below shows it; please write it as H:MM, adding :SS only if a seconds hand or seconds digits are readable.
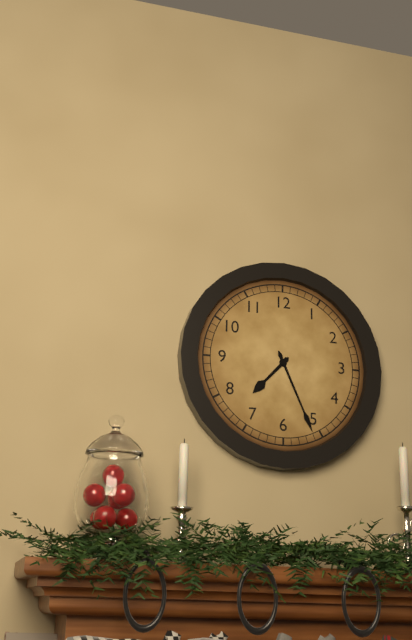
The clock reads 7:26
